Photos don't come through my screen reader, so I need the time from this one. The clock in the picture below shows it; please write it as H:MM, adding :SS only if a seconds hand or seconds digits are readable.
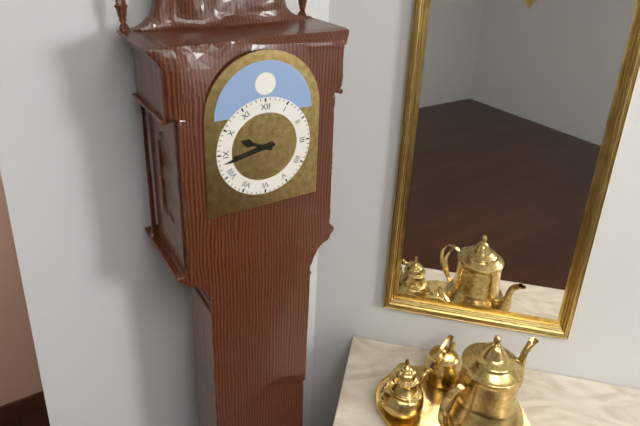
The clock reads 9:43
